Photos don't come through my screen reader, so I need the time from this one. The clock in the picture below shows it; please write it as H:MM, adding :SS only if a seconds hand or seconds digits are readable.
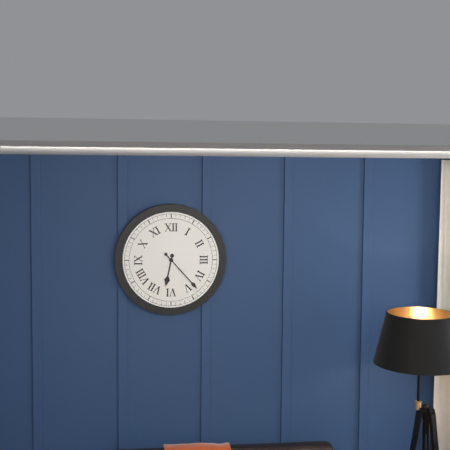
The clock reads 6:23
